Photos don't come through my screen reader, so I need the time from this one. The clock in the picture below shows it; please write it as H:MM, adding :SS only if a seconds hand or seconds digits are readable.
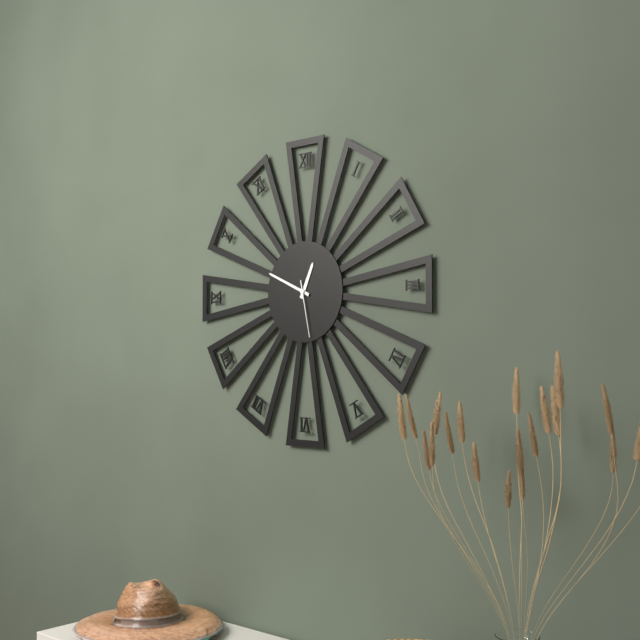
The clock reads 12:49:28
